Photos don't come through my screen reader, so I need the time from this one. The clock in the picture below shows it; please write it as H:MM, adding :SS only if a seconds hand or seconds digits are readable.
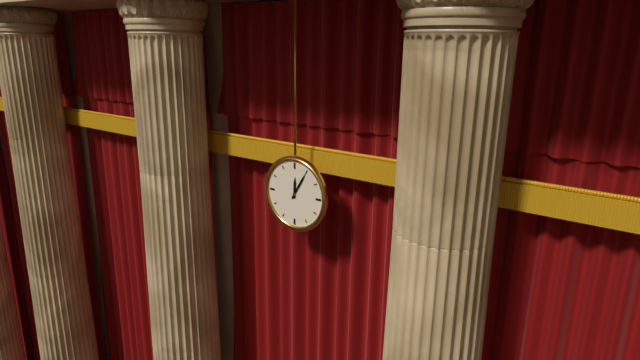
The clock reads 12:05
